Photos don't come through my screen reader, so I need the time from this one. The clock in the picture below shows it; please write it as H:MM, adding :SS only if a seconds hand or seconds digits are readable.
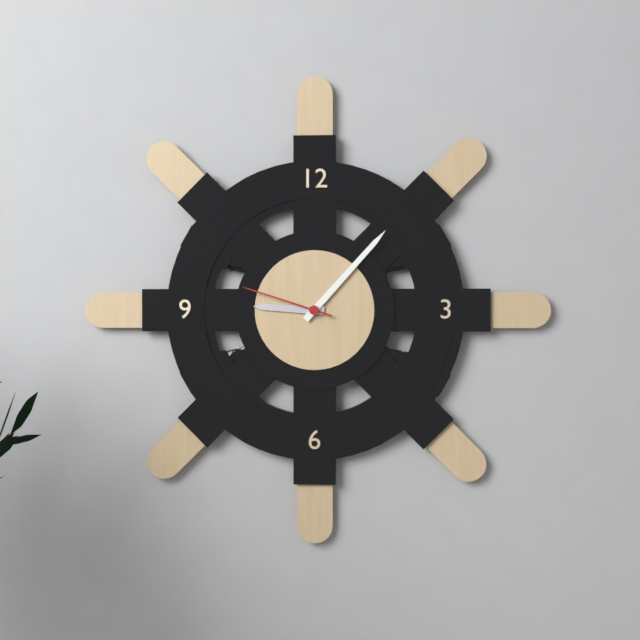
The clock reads 9:07:48
